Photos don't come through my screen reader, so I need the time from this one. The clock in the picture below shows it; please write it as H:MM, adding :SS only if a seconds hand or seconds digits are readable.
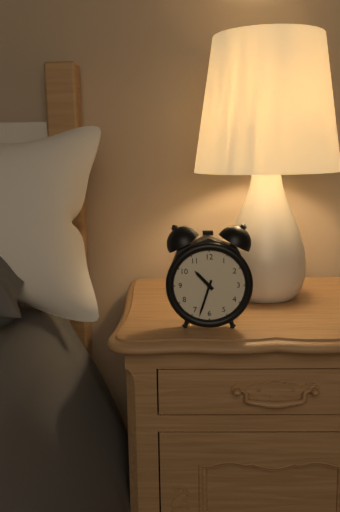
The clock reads 10:33
